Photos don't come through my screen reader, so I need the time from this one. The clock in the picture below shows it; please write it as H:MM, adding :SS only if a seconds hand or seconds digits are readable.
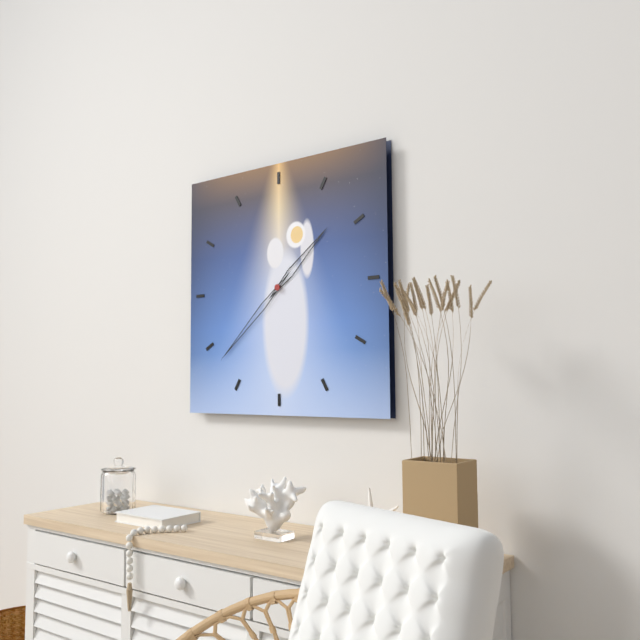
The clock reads 1:38
